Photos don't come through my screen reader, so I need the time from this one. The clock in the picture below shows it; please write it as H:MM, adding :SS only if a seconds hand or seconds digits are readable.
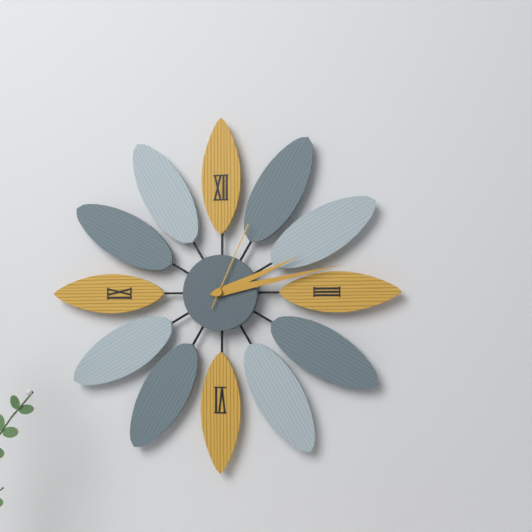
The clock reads 2:13:04
